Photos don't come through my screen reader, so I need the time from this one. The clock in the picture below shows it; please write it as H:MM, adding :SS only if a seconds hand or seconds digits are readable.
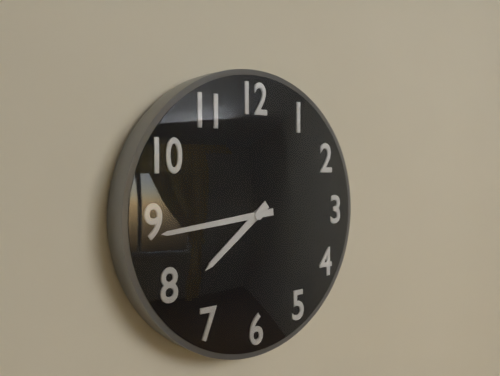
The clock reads 7:44
